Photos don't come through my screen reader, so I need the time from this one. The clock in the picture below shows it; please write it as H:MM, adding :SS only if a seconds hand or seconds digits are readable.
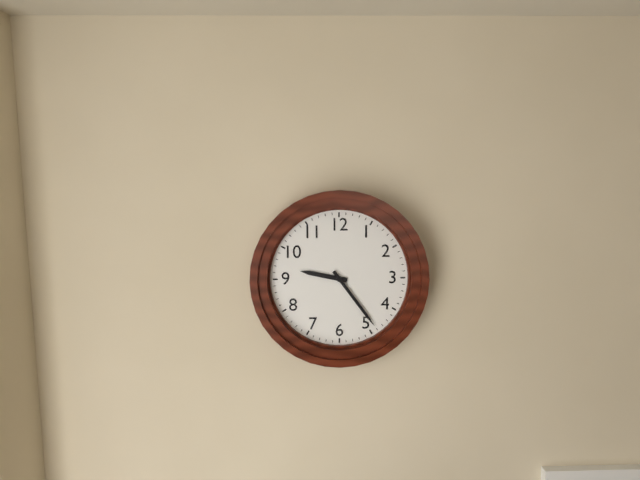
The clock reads 9:24
